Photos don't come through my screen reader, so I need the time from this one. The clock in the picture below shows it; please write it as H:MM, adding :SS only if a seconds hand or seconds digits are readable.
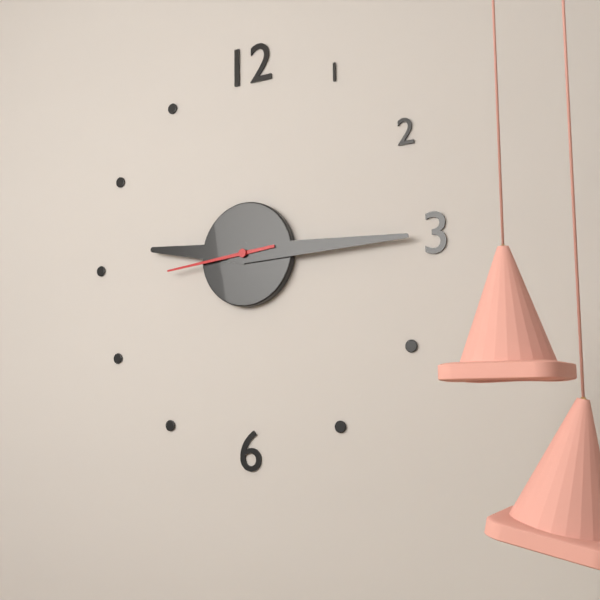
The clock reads 9:15:44
